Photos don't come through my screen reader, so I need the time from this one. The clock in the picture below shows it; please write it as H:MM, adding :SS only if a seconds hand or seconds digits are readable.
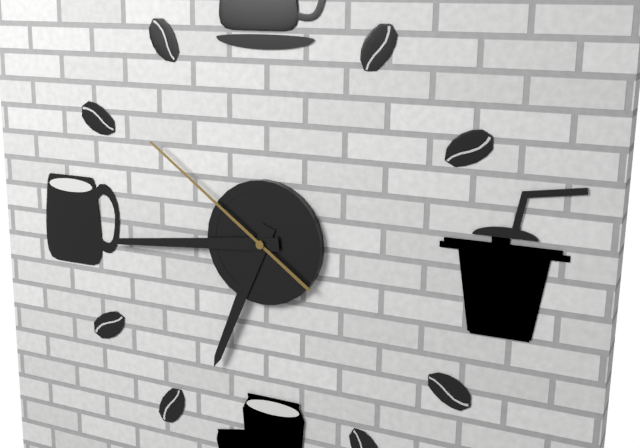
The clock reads 6:44:51
